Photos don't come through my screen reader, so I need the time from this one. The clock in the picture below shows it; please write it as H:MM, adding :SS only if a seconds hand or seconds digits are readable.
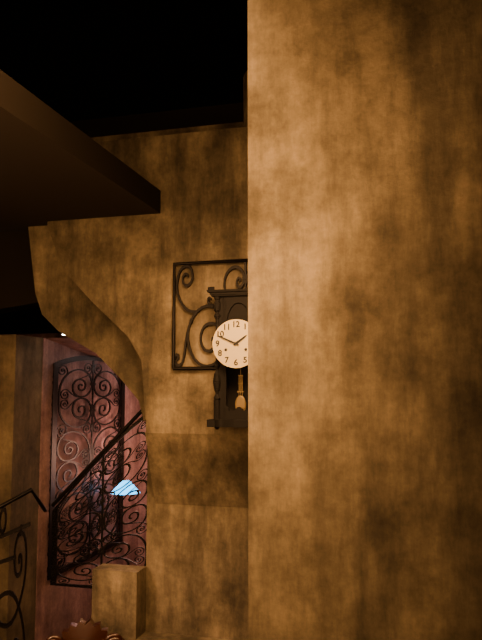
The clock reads 1:49
